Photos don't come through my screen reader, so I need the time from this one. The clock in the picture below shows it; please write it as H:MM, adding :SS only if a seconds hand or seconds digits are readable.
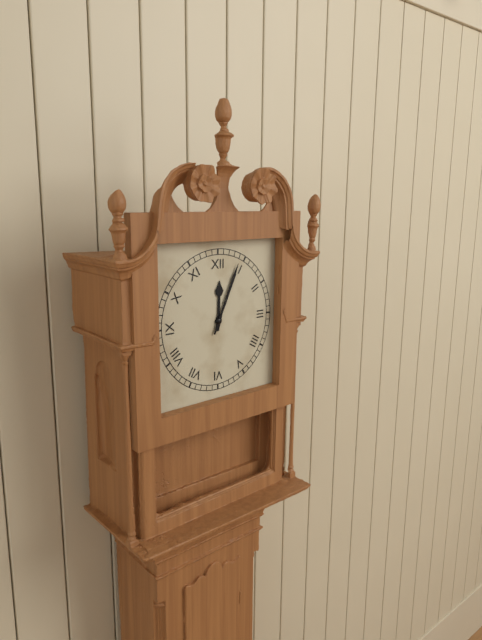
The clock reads 12:04
